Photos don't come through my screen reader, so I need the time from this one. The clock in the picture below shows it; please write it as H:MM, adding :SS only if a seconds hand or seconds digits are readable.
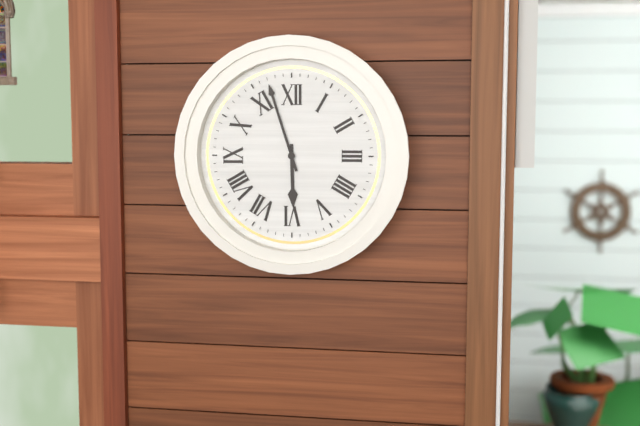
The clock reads 5:57
